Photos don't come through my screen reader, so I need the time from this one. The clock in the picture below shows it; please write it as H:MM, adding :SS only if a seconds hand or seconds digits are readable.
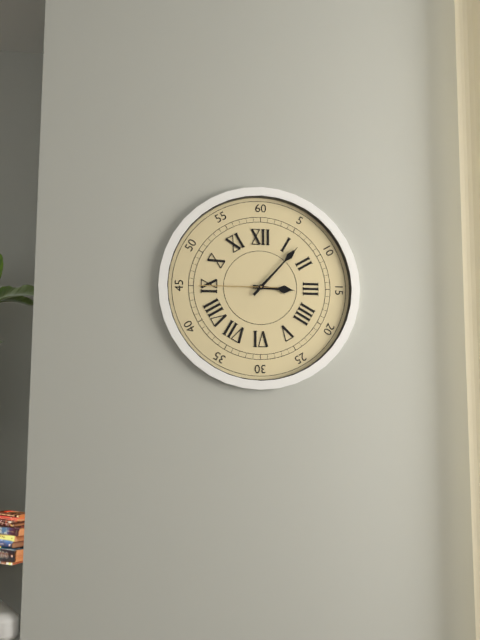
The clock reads 3:07:45
